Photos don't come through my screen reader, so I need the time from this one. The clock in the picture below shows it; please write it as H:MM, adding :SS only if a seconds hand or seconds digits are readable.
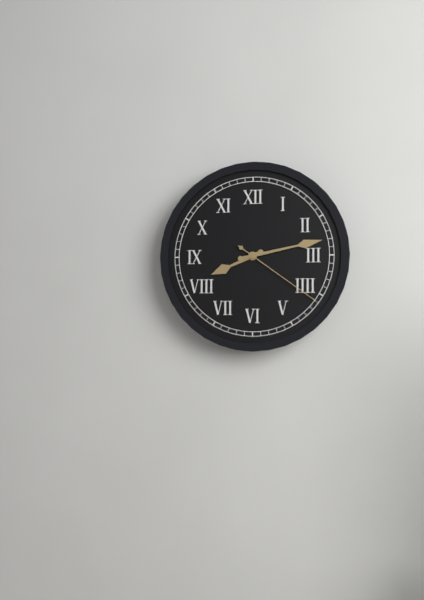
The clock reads 8:13:21
